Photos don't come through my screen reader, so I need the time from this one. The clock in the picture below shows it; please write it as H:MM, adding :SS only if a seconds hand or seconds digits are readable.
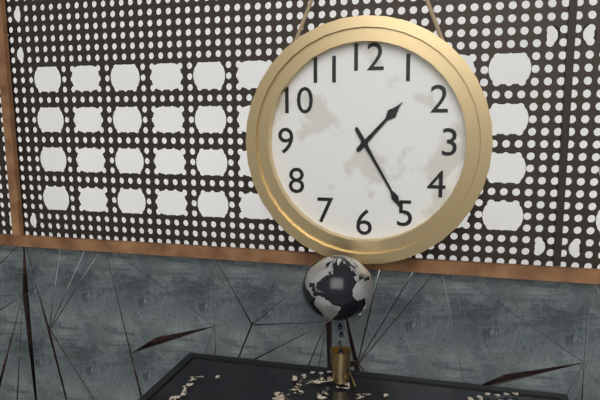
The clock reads 1:25
